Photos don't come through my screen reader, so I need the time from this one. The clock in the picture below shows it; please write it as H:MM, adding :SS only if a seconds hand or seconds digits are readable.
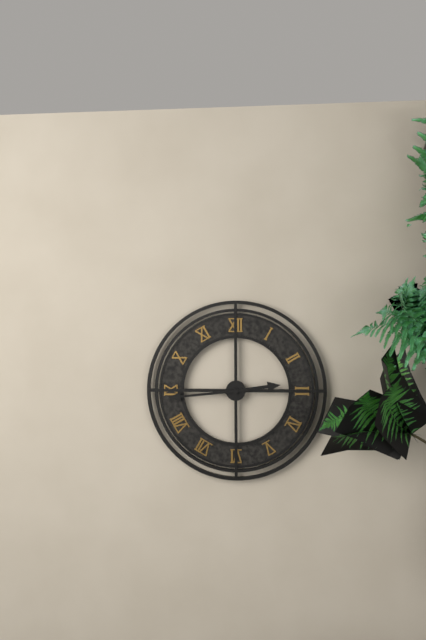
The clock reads 2:44
